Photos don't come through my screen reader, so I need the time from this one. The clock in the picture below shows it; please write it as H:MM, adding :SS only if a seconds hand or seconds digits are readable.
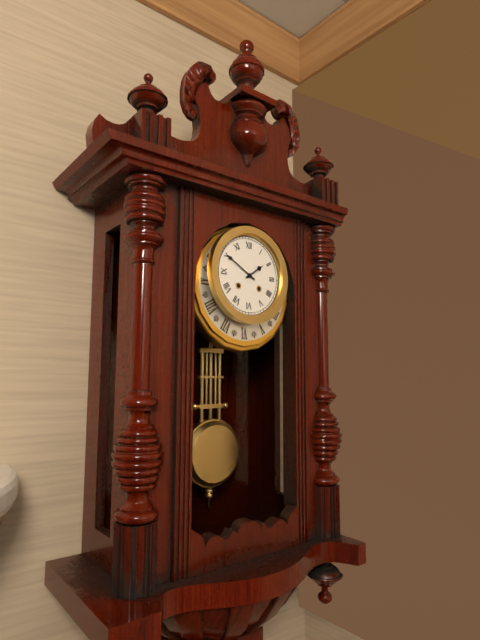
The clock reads 1:50
